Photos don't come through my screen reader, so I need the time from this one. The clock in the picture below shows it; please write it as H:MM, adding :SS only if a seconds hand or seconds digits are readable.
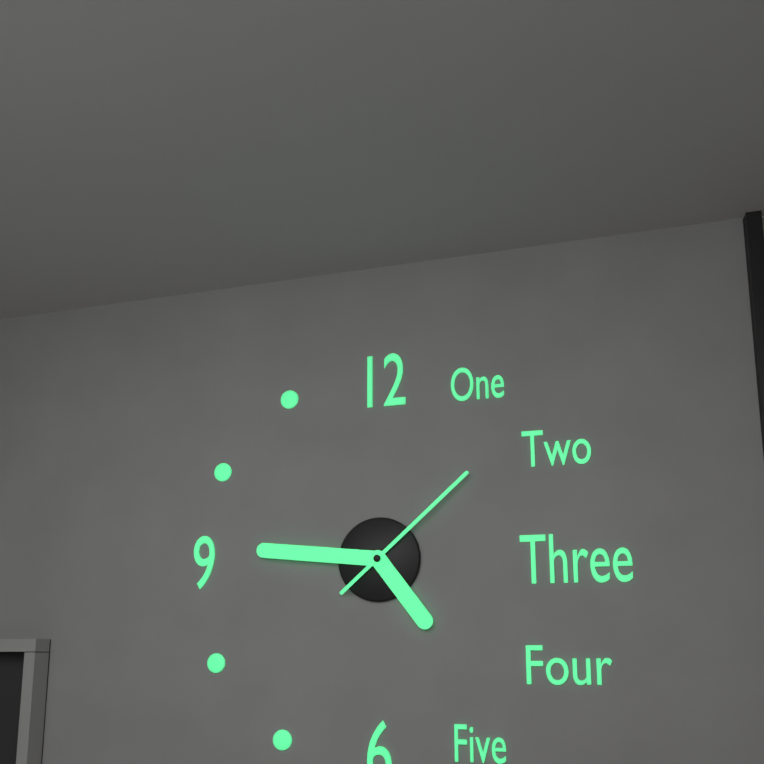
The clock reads 4:46:08
